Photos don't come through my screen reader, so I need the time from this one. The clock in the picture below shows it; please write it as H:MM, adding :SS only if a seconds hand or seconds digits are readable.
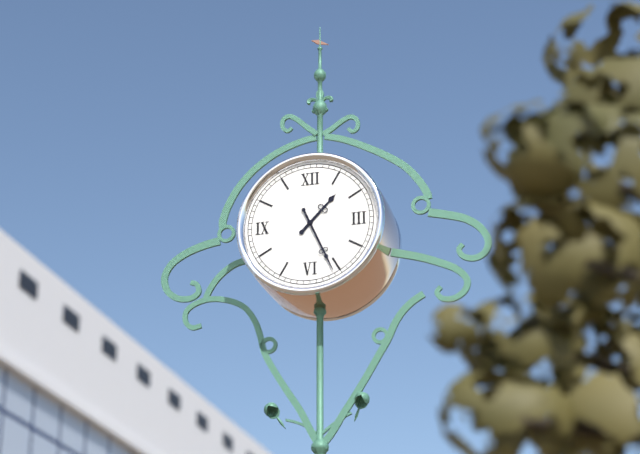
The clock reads 1:26
